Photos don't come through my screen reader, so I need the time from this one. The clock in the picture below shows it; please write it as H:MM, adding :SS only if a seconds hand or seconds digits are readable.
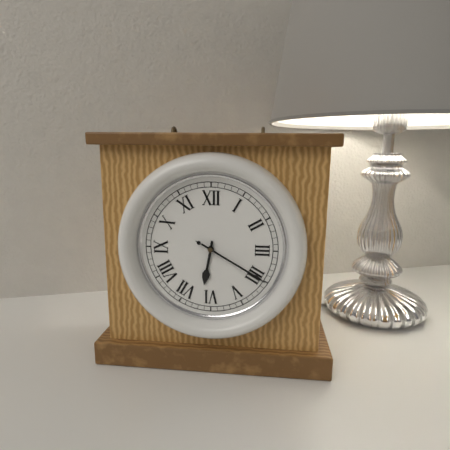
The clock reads 6:20:20
